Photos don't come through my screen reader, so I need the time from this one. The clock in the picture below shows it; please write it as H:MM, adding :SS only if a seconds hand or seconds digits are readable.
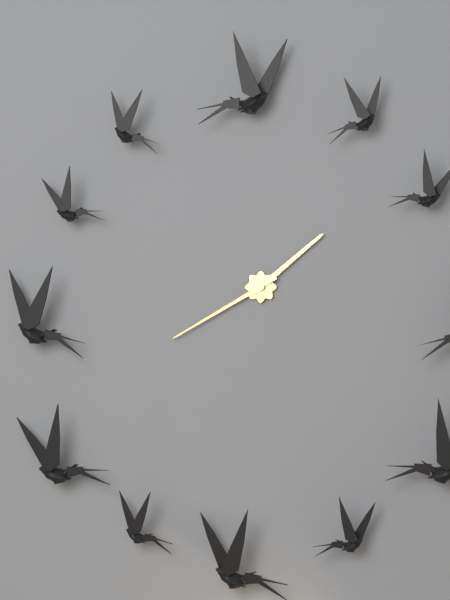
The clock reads 1:40
